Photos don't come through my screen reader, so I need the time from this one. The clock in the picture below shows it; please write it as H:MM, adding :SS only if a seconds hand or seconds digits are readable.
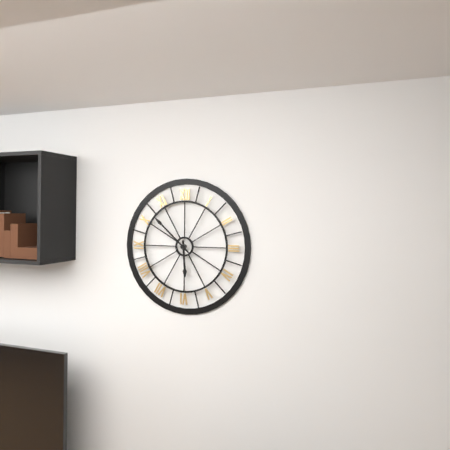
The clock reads 5:52
